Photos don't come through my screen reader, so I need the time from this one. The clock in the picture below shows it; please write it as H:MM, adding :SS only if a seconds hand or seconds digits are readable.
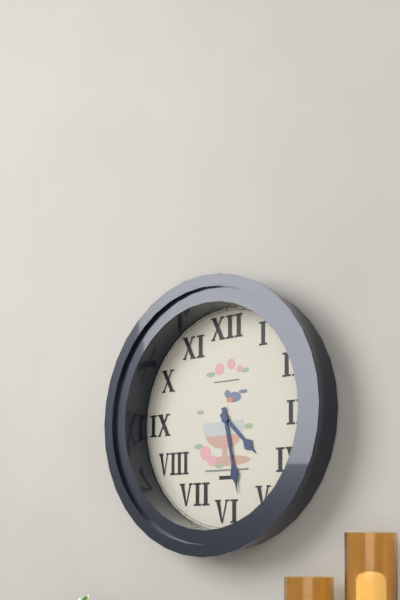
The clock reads 4:28
